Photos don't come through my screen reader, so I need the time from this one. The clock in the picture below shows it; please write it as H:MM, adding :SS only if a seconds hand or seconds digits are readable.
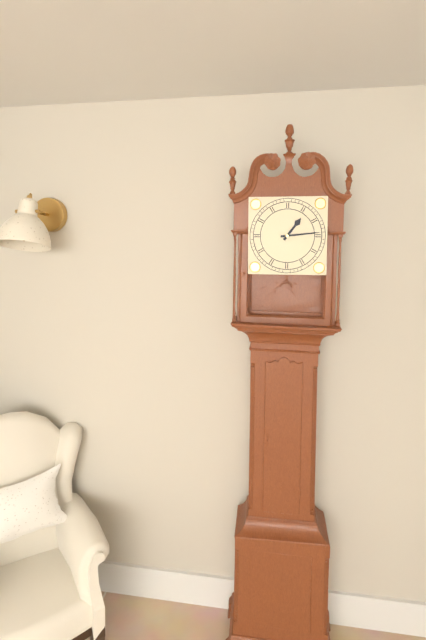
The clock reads 1:14
